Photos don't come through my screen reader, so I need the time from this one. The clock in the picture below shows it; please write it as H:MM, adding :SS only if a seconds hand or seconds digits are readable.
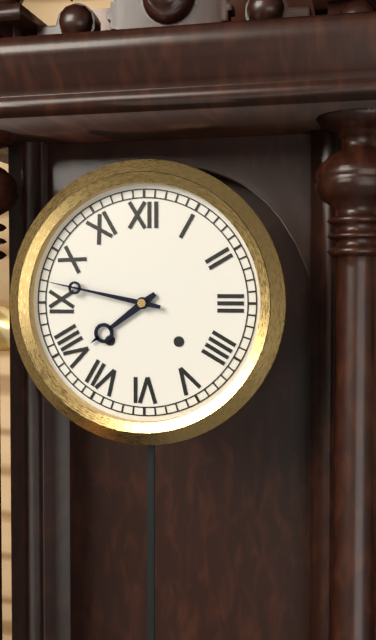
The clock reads 7:47
